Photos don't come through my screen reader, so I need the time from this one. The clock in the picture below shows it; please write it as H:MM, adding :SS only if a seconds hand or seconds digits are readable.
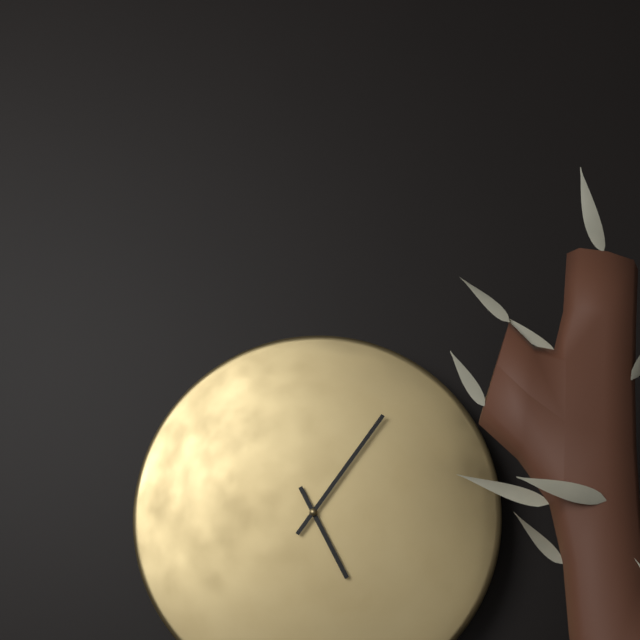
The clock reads 5:06
